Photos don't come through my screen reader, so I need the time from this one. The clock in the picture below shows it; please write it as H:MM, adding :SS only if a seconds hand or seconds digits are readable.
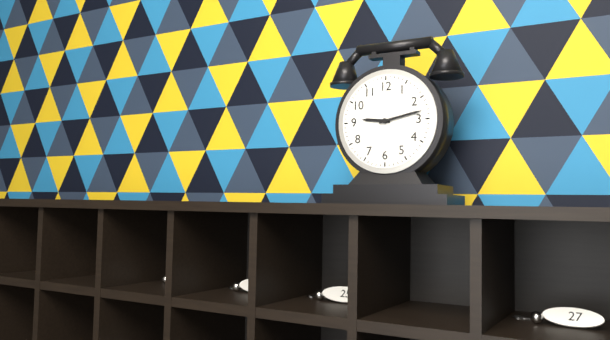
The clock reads 9:13
